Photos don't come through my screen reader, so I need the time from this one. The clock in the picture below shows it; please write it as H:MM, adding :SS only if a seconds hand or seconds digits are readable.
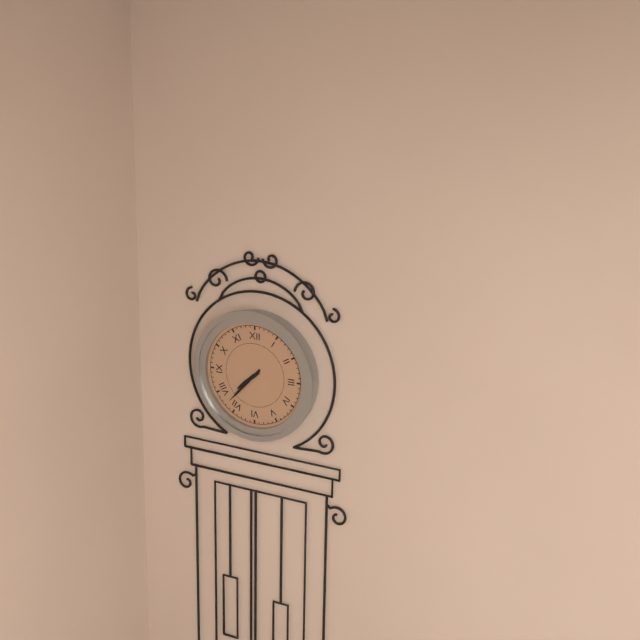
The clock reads 7:37
